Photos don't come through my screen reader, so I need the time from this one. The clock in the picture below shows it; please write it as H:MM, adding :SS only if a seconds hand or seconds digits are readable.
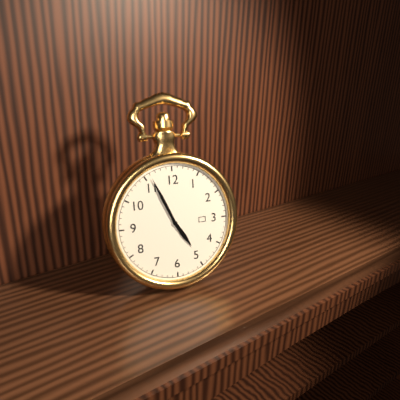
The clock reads 4:56
